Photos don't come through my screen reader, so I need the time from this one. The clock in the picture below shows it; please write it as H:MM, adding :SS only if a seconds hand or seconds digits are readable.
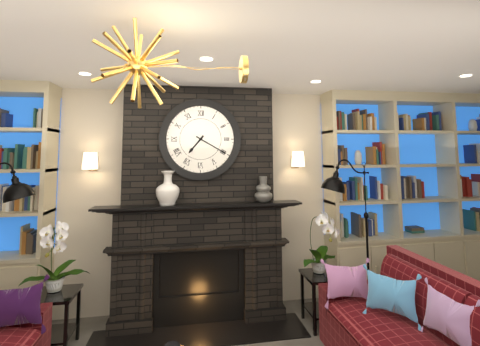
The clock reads 7:20
